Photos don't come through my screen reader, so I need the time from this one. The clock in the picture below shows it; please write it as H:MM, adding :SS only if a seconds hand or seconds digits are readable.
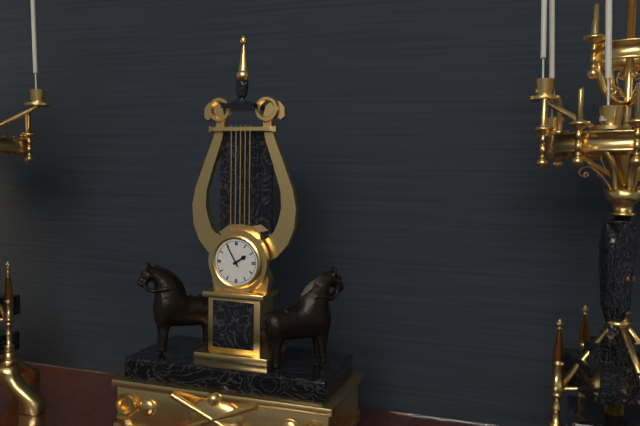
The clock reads 1:55
